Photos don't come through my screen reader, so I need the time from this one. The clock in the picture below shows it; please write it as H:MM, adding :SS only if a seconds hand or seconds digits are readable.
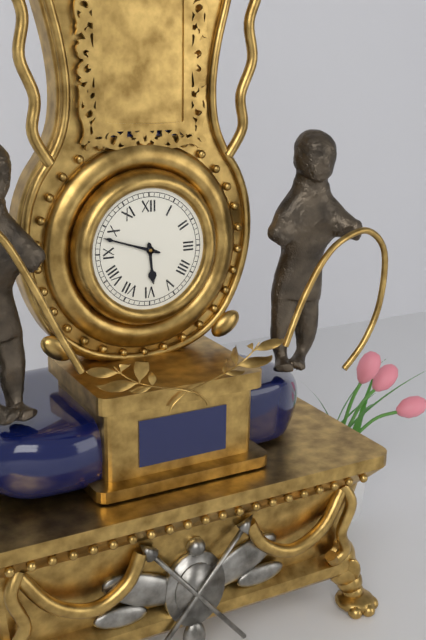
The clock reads 5:48
